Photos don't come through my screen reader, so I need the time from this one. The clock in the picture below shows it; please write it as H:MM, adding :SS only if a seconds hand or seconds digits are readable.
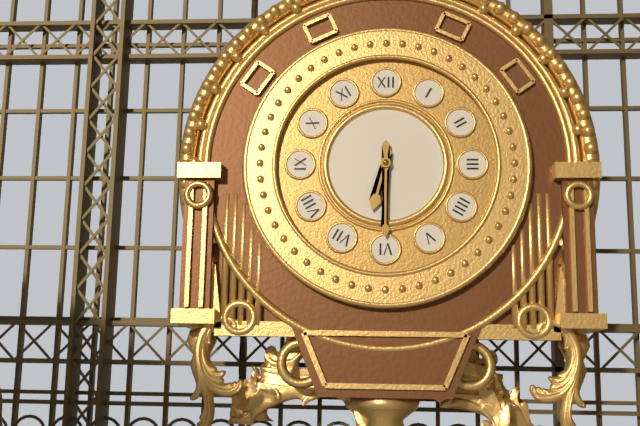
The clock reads 6:30
